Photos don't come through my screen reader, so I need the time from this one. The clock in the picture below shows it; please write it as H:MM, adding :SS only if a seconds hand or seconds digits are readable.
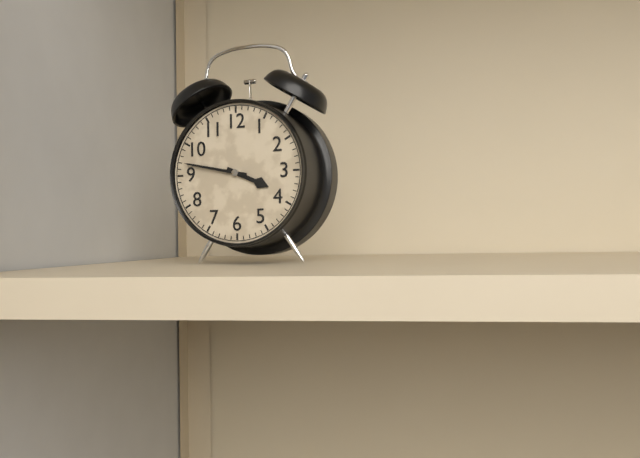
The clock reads 3:47
